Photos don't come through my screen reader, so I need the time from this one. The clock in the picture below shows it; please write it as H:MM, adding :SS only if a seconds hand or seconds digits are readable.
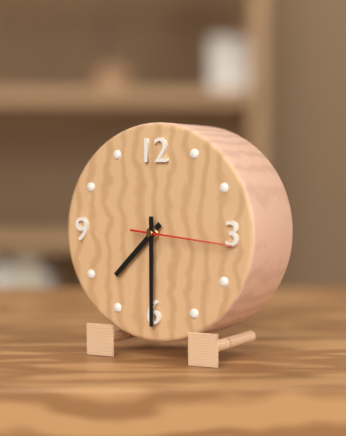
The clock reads 7:30:16
